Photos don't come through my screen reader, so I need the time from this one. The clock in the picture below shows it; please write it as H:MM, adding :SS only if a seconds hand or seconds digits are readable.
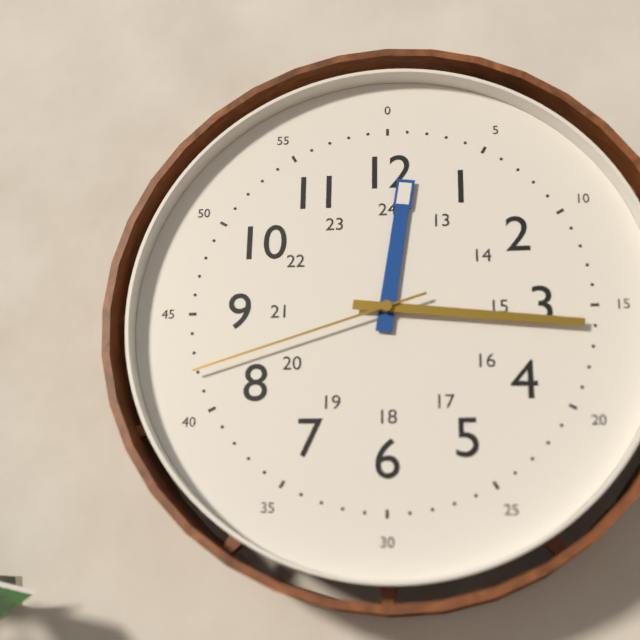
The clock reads 12:16:42
